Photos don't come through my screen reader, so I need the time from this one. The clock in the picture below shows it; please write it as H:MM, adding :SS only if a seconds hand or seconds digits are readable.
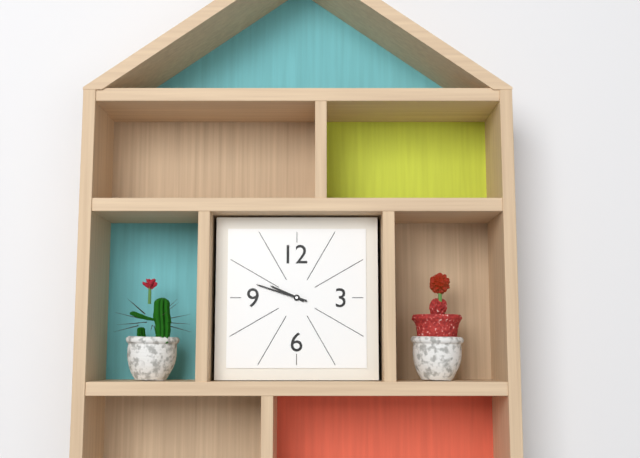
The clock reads 9:48
